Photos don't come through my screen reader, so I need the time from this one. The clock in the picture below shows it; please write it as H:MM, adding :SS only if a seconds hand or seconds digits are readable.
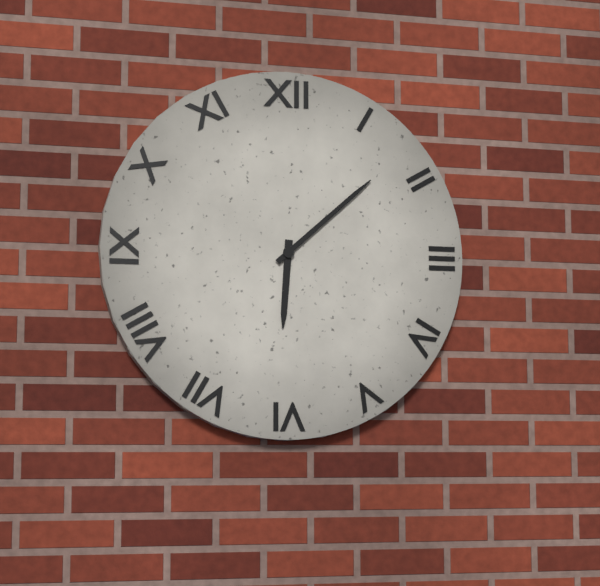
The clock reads 6:08
